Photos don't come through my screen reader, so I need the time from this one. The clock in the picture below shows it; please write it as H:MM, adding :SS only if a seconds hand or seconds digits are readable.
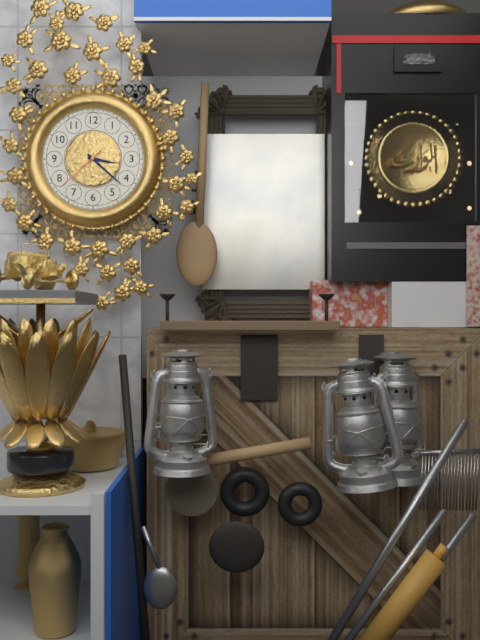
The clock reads 3:22:38
